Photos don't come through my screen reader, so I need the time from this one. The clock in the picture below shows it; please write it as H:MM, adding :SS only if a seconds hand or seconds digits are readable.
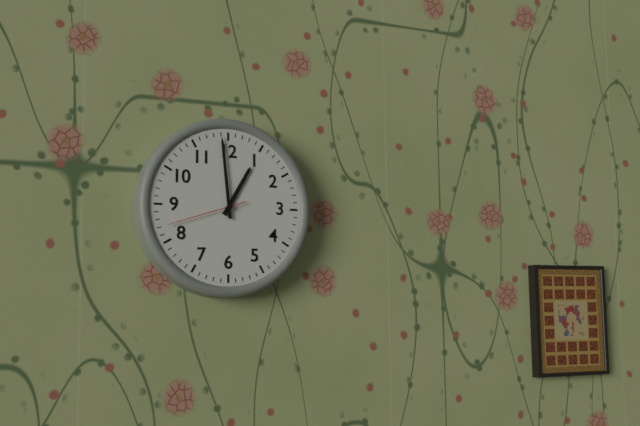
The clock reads 12:59:42
